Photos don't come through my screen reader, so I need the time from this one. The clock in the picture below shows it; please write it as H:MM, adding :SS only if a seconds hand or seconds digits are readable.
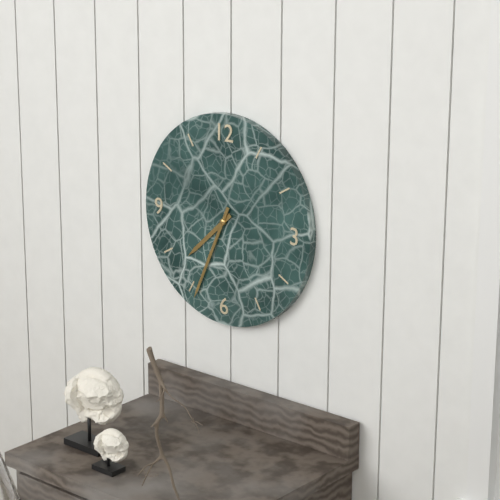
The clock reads 7:34
